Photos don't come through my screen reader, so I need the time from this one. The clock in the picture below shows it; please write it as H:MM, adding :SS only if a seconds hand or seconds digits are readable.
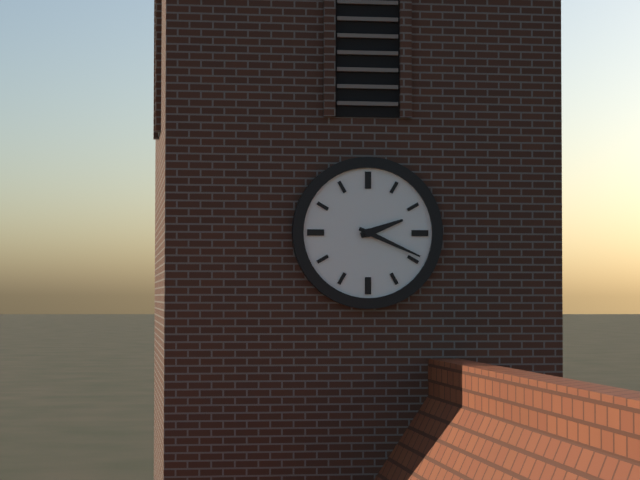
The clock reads 2:19
